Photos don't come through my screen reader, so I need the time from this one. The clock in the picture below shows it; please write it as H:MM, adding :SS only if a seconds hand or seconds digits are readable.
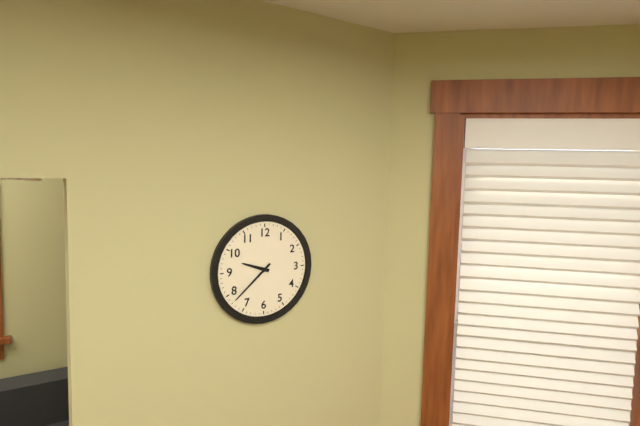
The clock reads 9:38
